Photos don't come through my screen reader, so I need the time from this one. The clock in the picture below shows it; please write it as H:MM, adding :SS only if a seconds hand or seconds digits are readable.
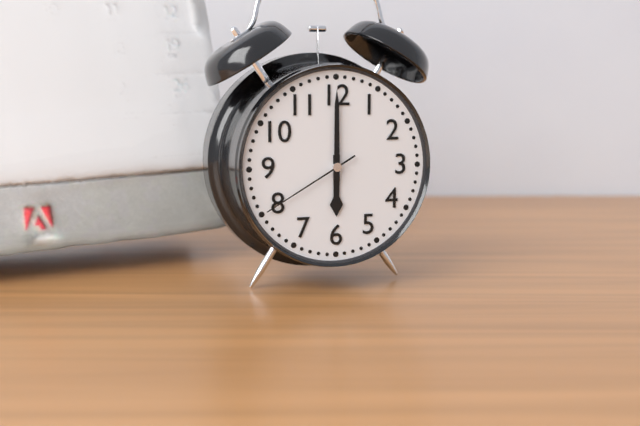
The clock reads 6:00:40
